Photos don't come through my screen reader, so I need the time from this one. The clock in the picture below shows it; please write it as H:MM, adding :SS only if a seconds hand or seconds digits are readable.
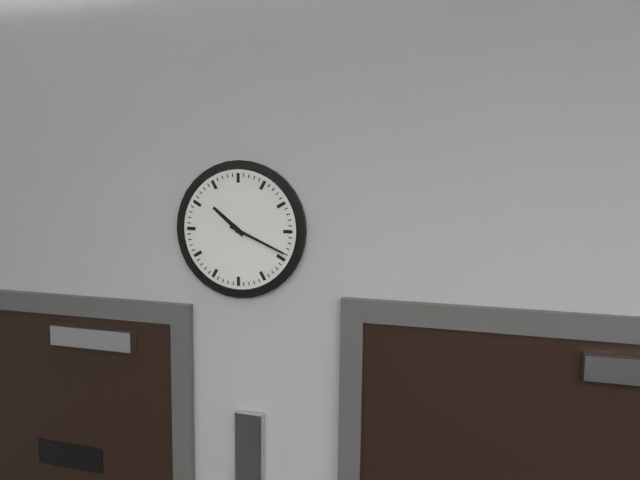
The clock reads 10:19
